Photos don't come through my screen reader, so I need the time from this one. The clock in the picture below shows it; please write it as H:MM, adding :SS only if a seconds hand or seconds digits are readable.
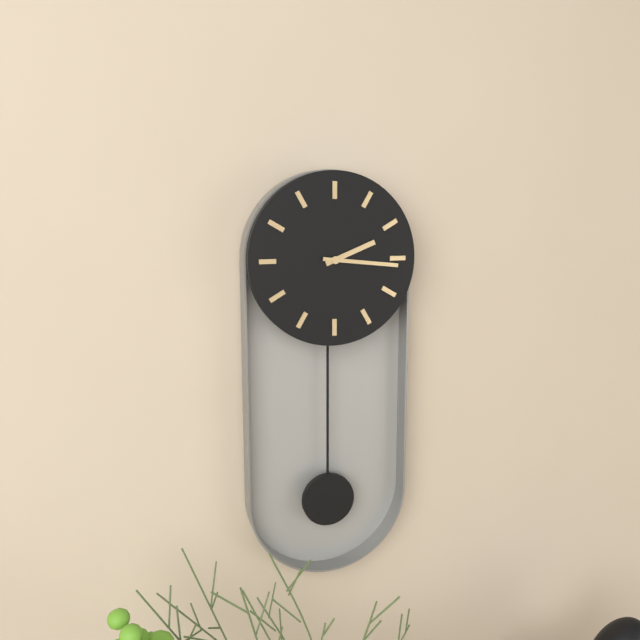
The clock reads 2:16
